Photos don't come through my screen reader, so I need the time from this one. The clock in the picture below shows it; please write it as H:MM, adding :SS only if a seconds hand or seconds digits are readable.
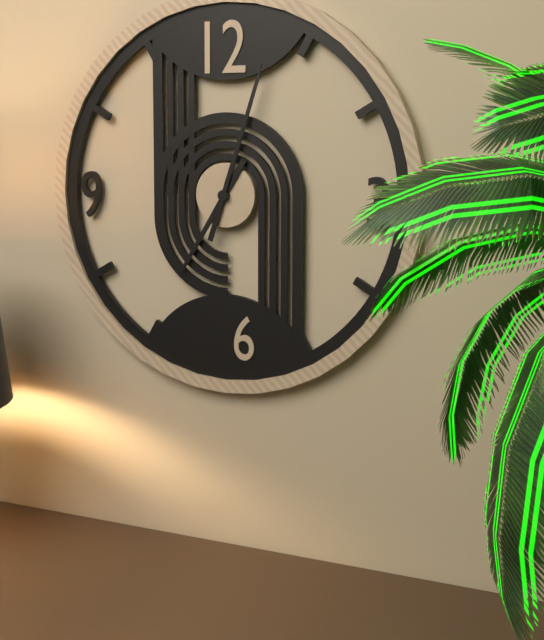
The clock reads 7:03
